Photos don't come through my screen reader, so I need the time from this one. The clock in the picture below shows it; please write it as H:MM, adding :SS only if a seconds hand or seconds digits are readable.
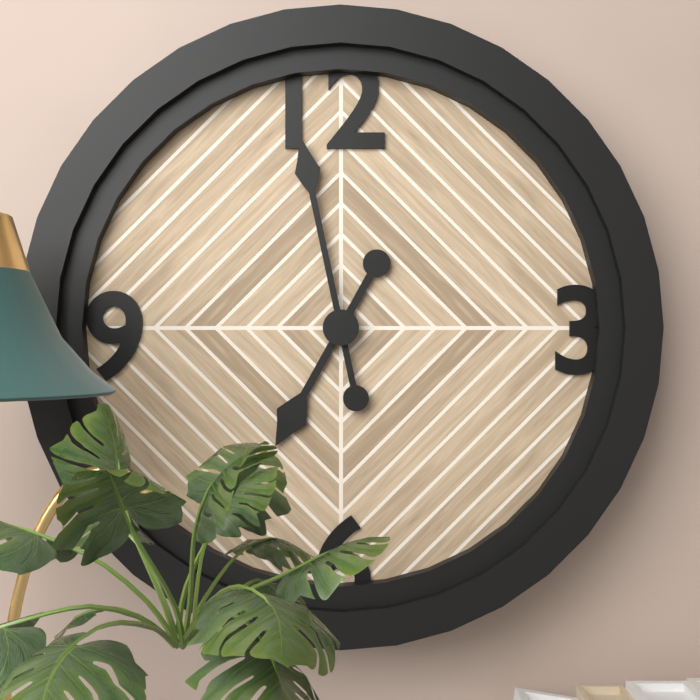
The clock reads 6:58
